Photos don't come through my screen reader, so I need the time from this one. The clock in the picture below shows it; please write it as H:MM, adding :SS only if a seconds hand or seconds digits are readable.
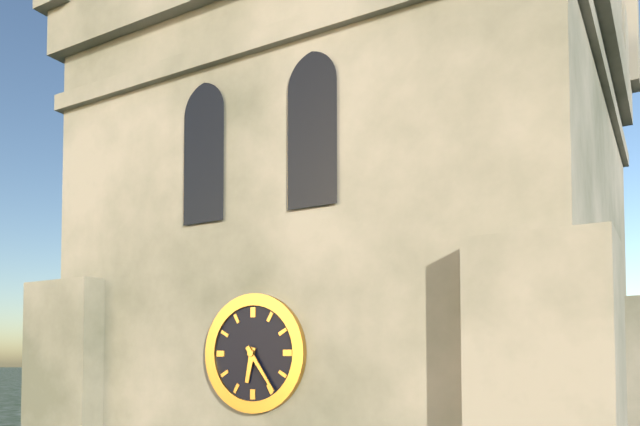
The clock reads 6:24
